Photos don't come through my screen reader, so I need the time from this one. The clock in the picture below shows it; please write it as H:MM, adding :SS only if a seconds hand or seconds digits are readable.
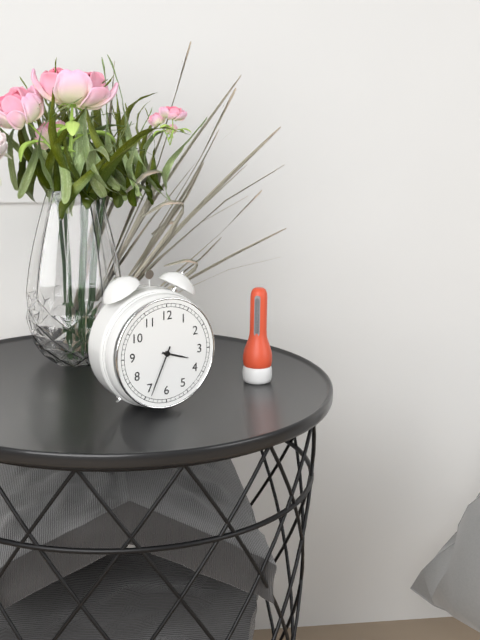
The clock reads 3:34
